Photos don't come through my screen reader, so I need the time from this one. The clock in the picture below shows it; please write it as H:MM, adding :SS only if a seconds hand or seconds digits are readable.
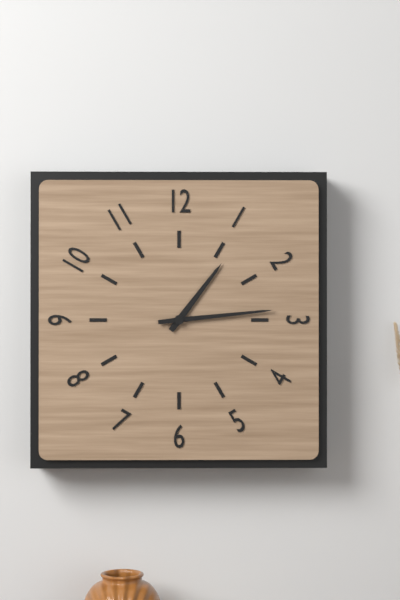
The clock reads 1:14
